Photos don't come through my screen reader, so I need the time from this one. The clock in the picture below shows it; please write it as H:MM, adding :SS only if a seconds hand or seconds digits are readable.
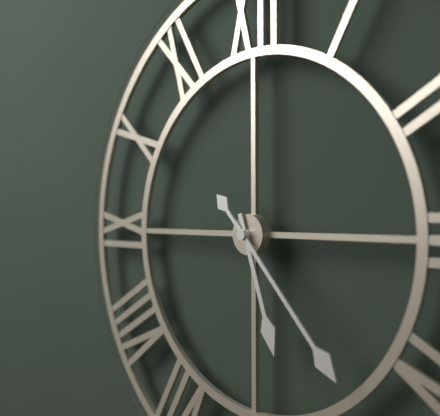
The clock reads 5:23
